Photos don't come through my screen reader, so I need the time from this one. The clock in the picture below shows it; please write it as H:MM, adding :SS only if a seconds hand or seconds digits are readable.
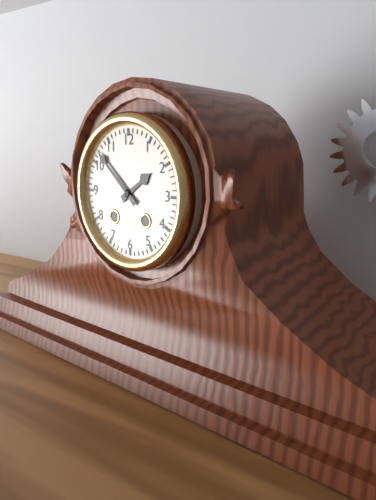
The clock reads 1:52
